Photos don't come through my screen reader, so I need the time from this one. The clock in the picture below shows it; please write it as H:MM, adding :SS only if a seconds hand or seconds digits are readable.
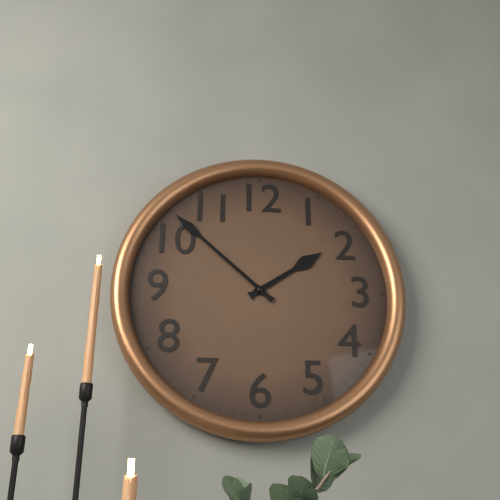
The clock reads 1:52
